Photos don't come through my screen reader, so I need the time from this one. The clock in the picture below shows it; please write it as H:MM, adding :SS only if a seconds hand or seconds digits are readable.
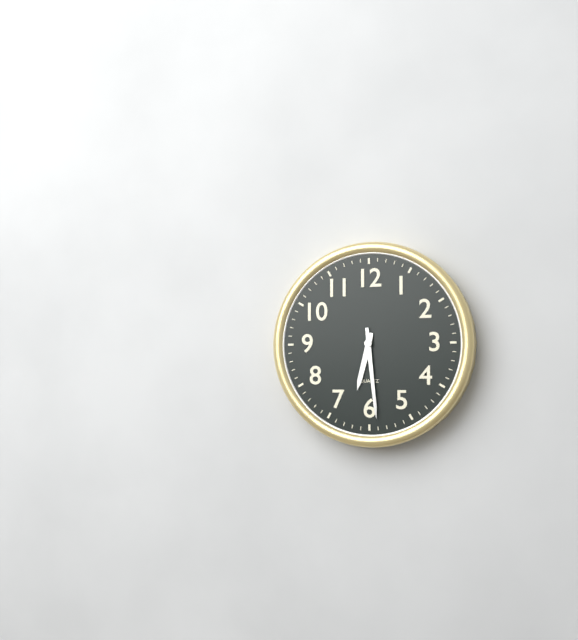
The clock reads 6:29
